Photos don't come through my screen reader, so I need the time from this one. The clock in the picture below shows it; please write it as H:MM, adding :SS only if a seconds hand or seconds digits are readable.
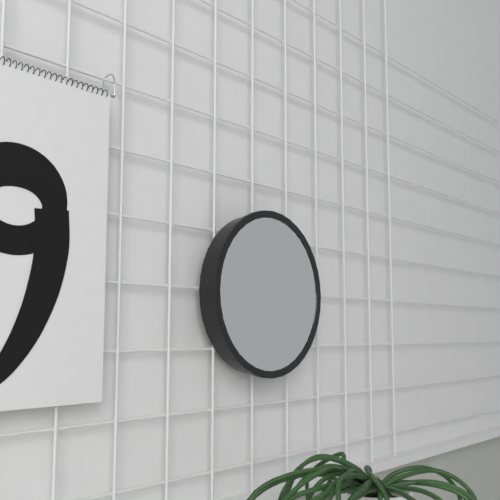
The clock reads 10:45
